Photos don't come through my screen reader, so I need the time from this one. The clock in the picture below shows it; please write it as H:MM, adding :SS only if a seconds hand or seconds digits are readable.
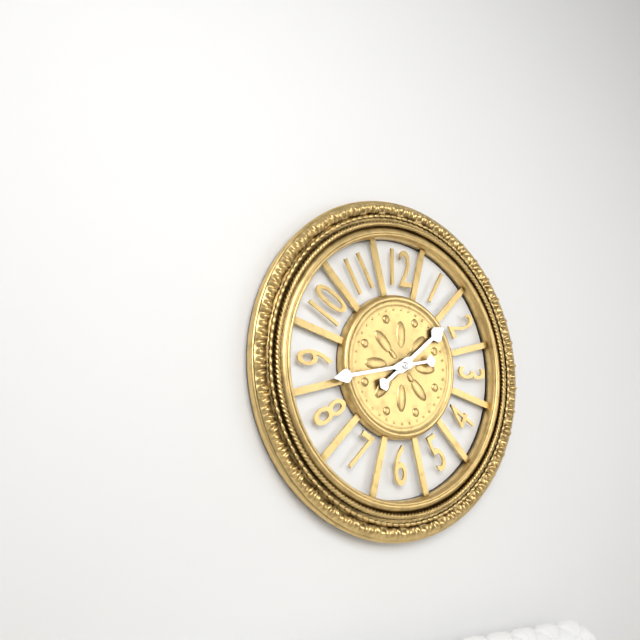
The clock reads 1:43
